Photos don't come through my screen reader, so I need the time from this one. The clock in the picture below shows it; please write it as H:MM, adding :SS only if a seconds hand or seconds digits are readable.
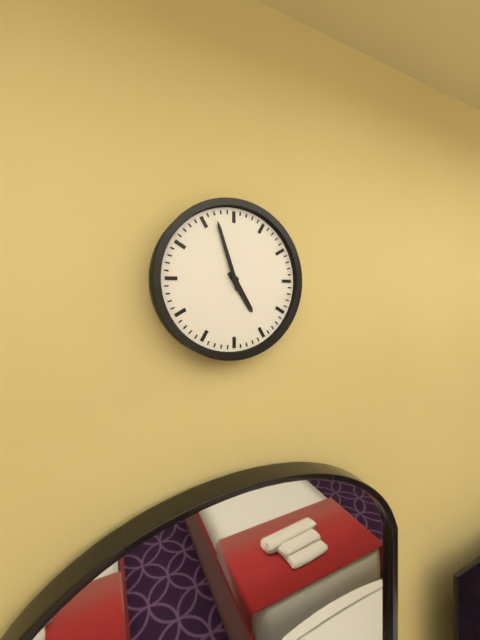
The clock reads 4:57
